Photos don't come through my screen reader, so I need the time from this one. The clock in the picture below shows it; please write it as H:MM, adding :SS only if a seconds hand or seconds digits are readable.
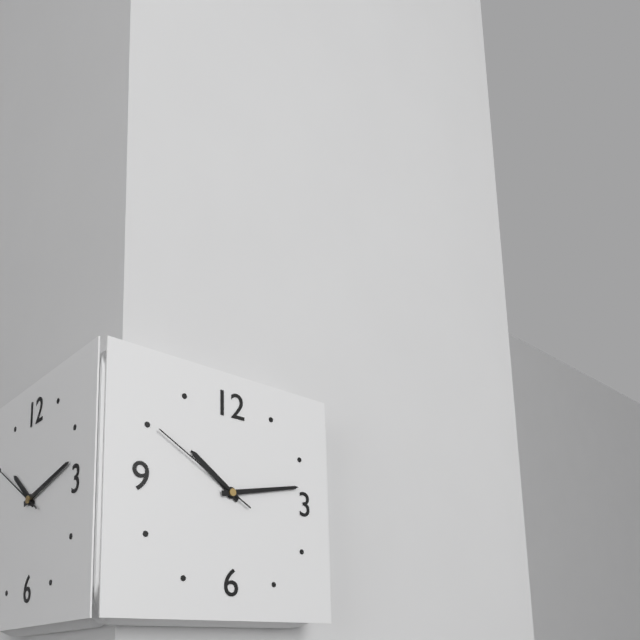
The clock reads 10:13:50
